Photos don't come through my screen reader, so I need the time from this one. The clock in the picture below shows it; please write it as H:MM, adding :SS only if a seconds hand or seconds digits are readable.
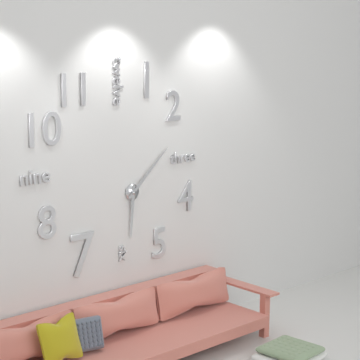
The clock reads 6:08
